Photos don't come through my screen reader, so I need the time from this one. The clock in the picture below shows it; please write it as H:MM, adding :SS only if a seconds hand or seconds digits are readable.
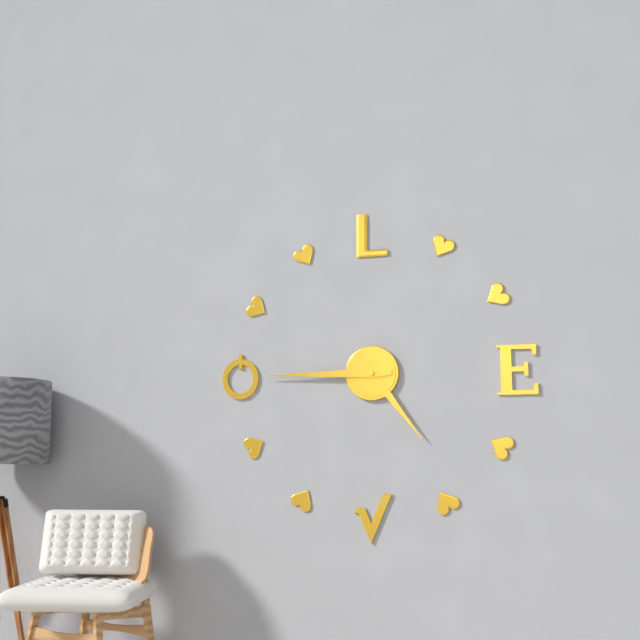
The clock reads 4:45
